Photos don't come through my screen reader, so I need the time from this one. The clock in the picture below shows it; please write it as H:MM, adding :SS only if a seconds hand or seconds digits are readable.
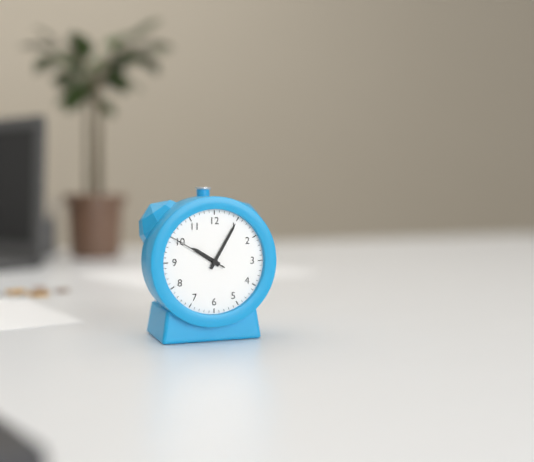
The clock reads 10:05:50
